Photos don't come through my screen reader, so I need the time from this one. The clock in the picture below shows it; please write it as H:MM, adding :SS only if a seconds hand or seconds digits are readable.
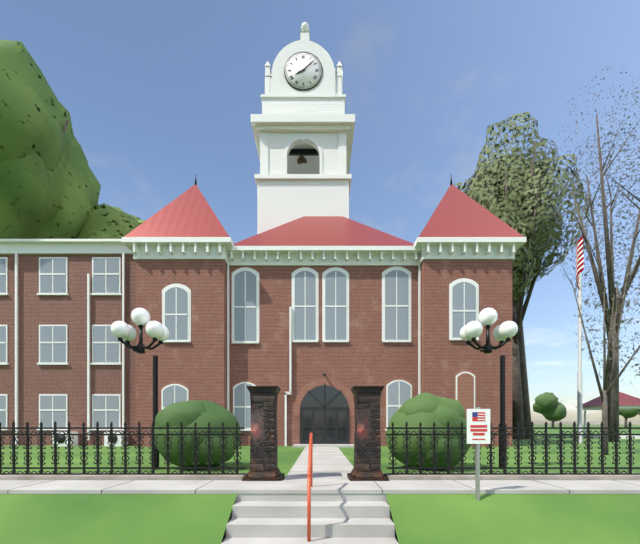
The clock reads 8:08
